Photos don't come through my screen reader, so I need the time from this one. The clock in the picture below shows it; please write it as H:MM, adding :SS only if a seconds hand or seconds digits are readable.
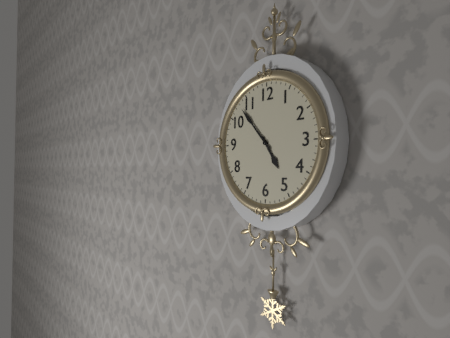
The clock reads 4:53
